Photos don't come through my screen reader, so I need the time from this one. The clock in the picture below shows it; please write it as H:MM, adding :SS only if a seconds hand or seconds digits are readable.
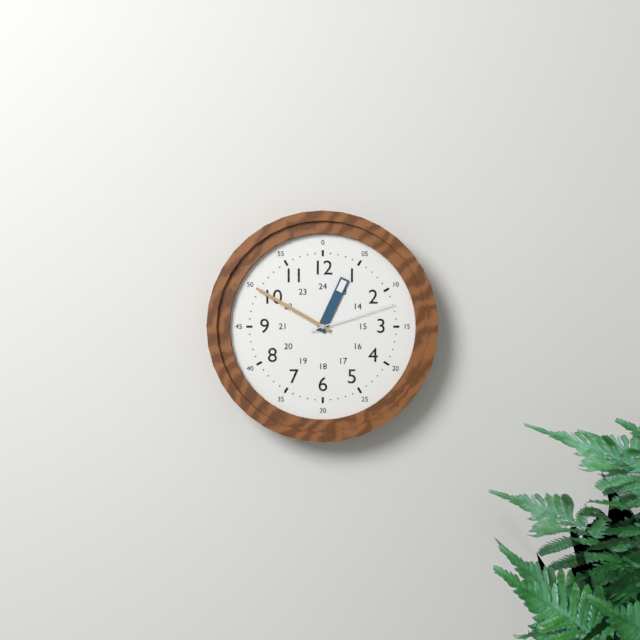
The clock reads 12:50:12
